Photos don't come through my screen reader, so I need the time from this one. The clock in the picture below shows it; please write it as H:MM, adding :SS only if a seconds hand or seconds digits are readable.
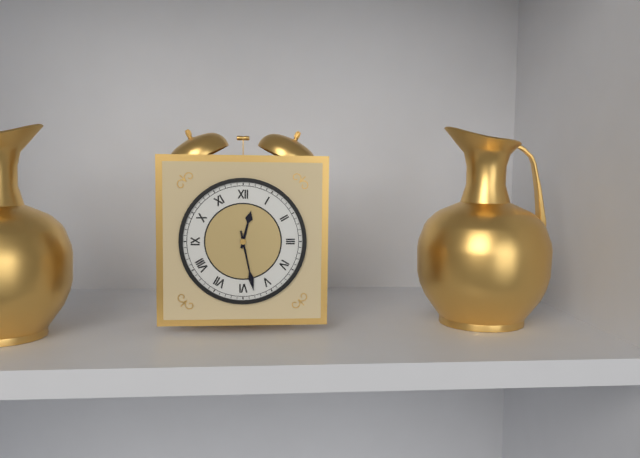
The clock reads 12:28
